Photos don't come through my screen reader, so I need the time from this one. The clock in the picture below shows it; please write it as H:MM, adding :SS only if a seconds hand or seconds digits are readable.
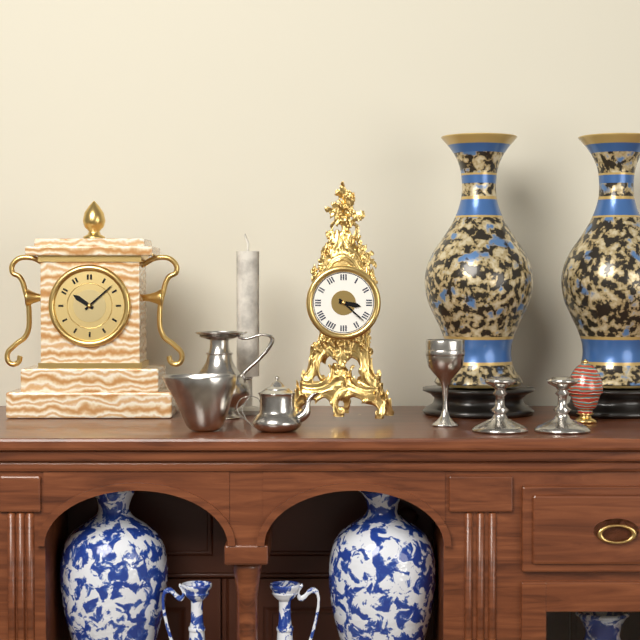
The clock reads 3:22
